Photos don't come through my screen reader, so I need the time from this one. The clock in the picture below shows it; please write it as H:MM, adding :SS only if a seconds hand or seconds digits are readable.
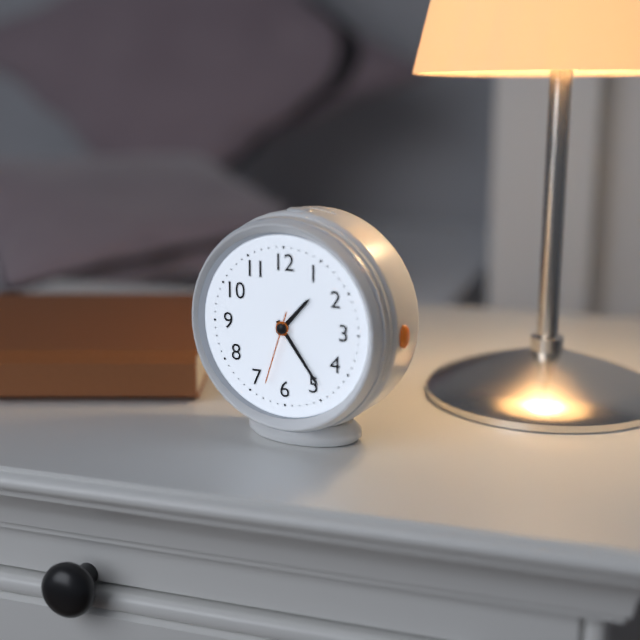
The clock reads 1:24:33
